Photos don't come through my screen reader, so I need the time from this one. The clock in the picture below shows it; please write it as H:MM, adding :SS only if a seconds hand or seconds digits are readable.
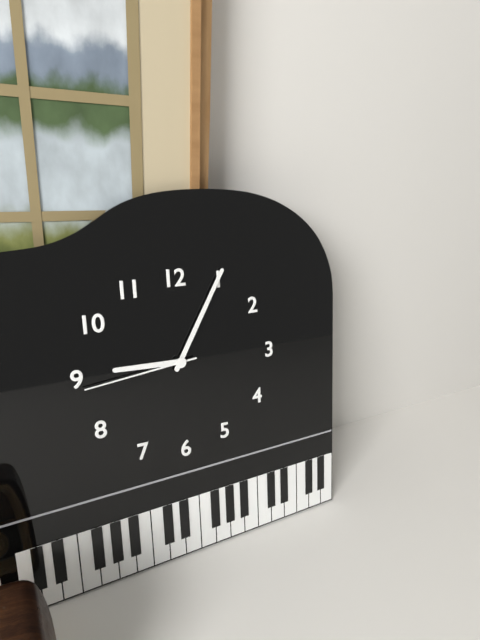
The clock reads 9:05:44
